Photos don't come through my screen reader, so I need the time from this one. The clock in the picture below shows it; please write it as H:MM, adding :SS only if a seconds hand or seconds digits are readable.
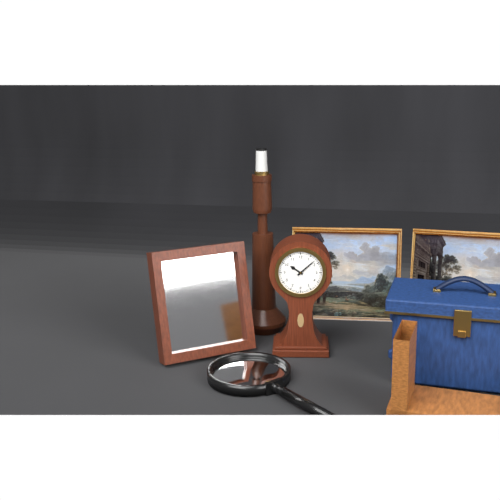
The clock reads 10:08
